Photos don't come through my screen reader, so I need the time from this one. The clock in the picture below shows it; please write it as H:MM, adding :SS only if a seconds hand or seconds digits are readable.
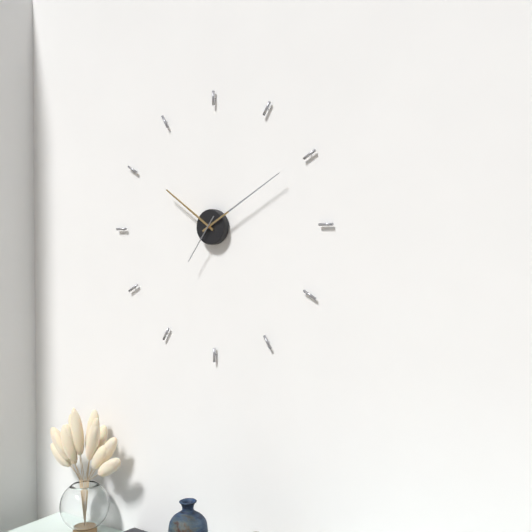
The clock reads 10:10
